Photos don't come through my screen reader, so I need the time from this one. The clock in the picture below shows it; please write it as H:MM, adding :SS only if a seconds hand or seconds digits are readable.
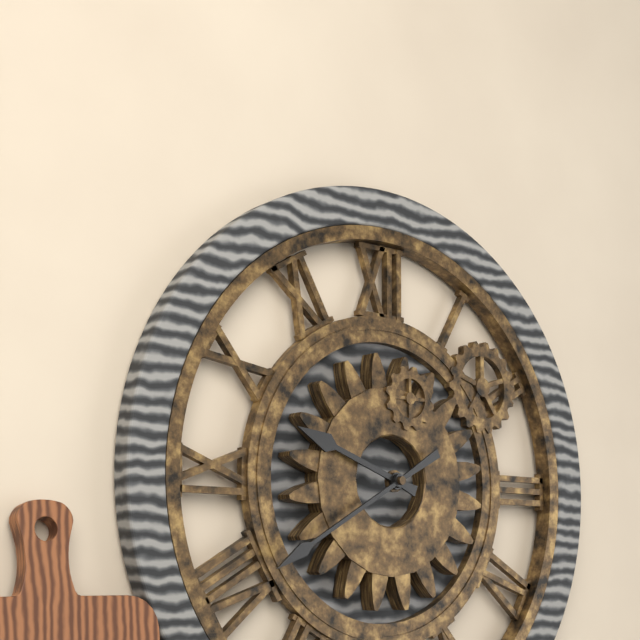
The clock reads 9:40
